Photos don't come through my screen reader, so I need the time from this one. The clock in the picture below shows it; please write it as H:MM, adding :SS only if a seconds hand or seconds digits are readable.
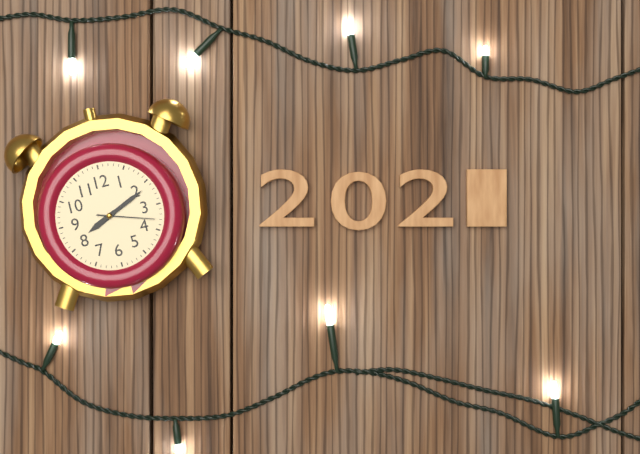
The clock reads 8:11:18
